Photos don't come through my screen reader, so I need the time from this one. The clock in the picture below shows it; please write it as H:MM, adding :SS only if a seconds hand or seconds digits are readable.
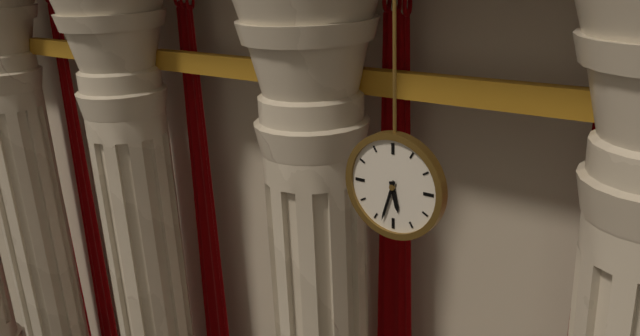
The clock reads 5:33
